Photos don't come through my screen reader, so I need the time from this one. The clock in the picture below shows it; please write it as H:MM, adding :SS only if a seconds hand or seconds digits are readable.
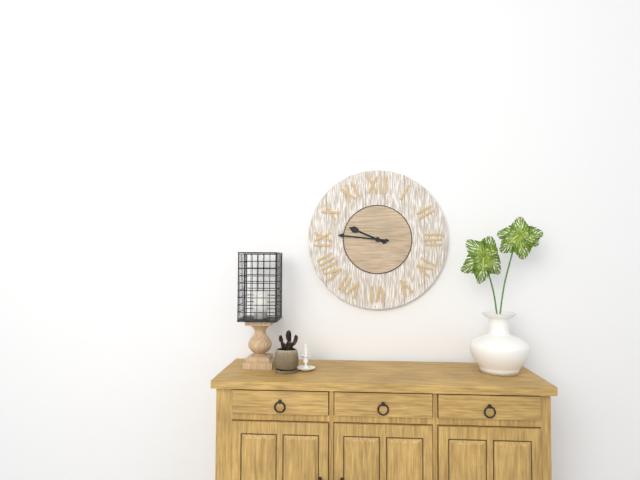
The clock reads 9:46
